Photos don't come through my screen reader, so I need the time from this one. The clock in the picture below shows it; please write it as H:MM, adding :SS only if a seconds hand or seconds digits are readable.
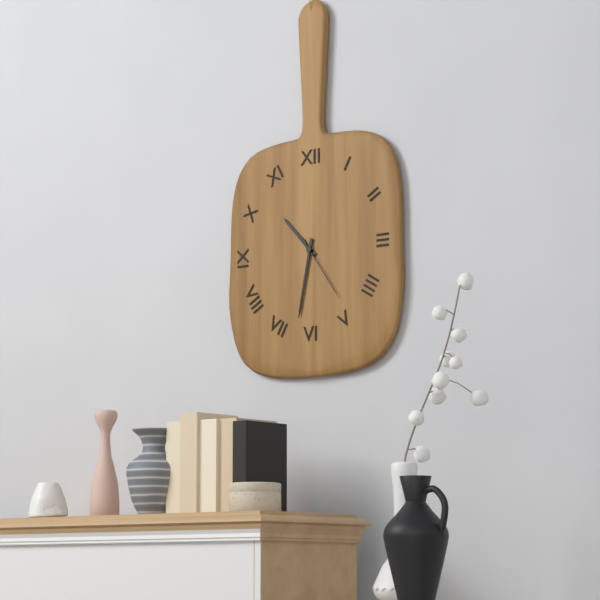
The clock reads 10:32:24
